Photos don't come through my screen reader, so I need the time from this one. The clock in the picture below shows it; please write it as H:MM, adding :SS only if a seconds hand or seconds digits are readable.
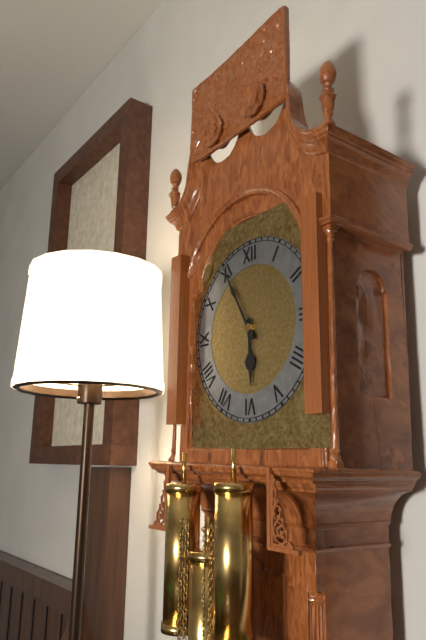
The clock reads 5:55
